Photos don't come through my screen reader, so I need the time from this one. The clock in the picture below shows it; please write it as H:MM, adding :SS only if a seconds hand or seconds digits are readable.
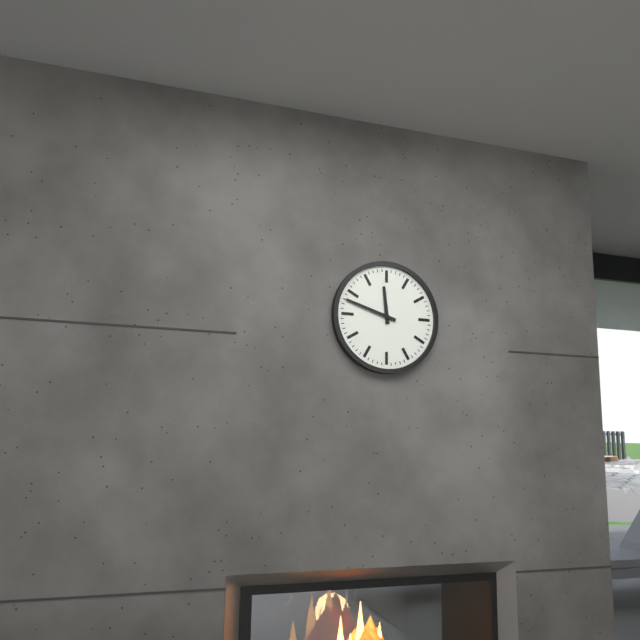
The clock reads 11:48
